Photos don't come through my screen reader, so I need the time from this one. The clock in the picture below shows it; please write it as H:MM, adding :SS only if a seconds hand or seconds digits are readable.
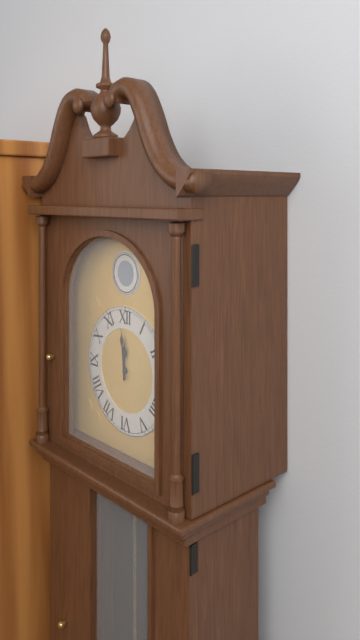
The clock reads 11:59
